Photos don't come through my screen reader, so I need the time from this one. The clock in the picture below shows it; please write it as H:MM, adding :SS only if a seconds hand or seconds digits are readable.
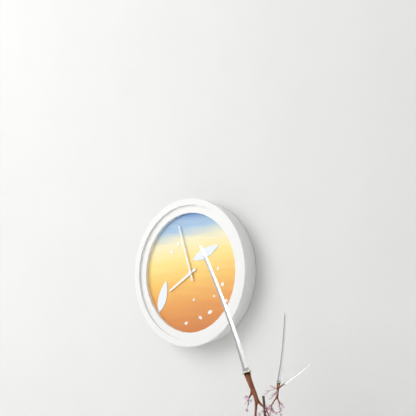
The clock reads 7:57
